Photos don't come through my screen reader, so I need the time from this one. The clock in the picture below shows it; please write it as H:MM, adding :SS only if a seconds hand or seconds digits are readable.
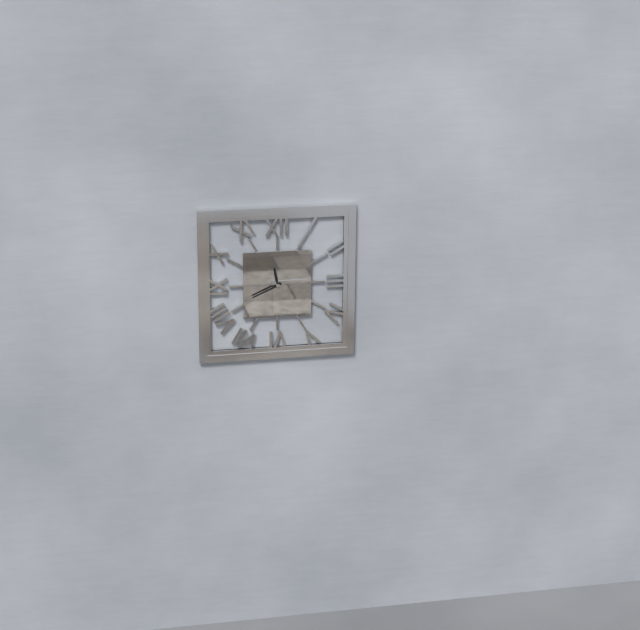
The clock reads 11:41
